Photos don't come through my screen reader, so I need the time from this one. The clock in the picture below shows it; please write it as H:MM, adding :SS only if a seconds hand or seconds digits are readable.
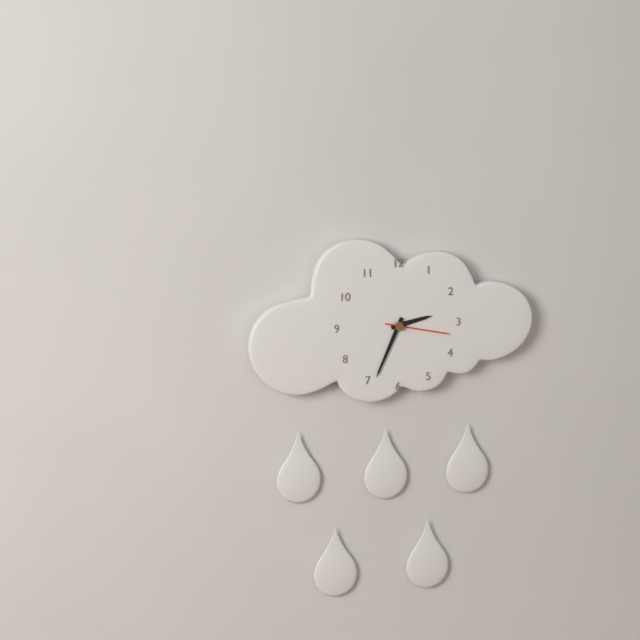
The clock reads 2:34:17
